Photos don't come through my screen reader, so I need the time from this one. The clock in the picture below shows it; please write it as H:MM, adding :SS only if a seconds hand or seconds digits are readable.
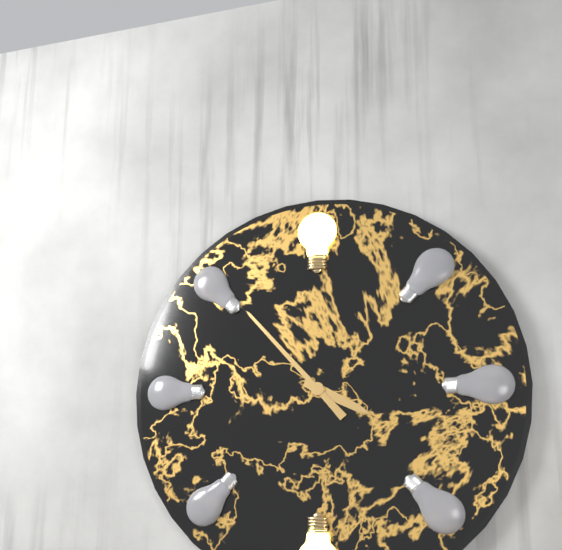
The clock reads 3:53
